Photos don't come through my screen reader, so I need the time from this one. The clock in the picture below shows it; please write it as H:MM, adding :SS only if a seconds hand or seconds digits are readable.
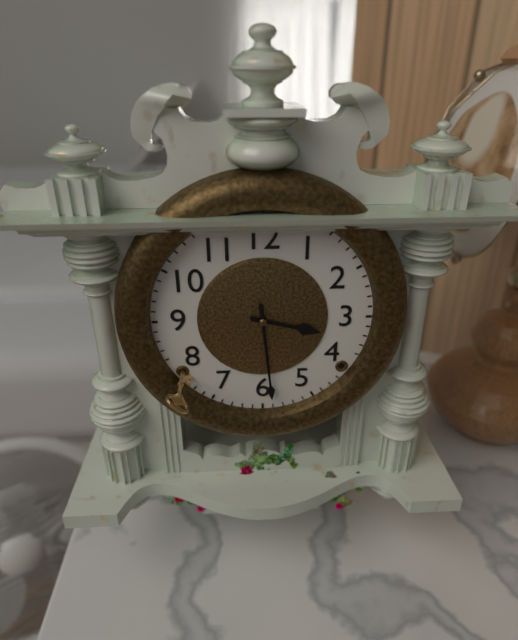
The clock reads 3:29
